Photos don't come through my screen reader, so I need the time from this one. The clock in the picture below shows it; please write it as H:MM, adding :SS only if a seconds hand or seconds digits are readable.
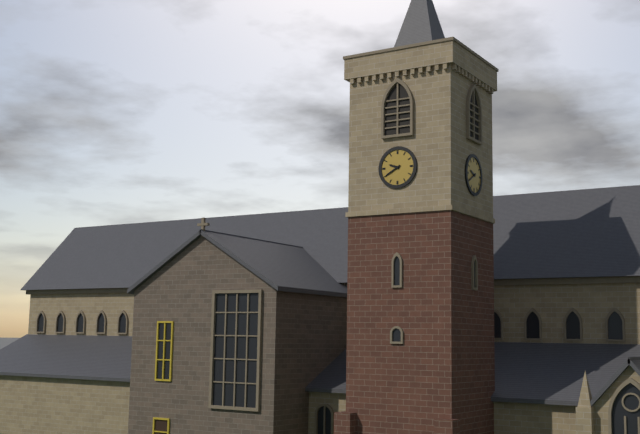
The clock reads 9:40
